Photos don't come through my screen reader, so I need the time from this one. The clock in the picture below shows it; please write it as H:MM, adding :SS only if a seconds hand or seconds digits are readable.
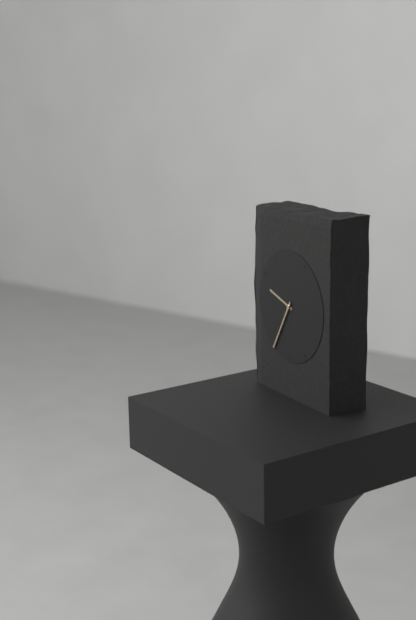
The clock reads 9:35
